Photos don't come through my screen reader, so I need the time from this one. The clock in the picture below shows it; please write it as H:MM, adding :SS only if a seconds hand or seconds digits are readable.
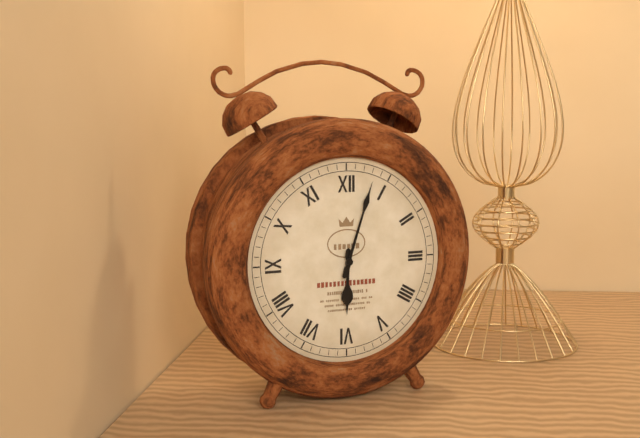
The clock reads 6:03
